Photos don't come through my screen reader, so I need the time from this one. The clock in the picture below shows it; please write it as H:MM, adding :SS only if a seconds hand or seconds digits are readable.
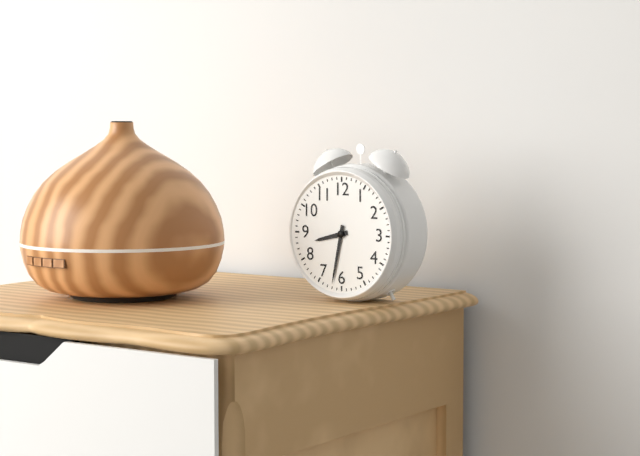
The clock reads 8:32
